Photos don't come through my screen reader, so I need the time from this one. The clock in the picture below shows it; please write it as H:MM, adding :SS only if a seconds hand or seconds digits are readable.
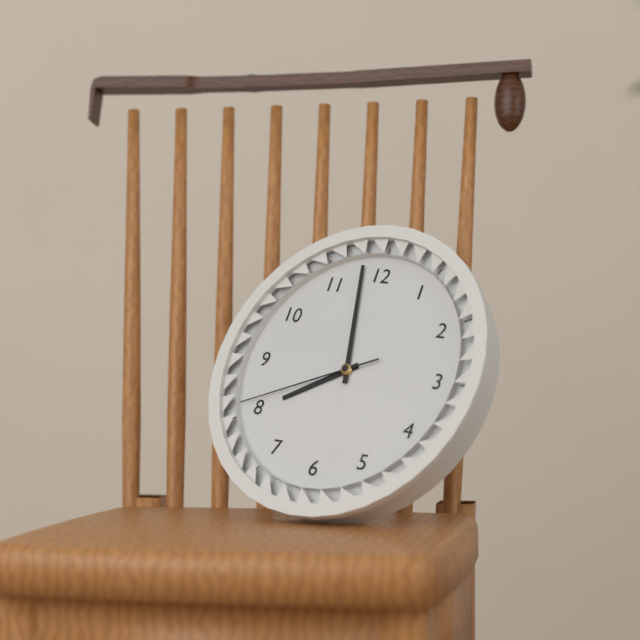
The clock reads 7:58:41
